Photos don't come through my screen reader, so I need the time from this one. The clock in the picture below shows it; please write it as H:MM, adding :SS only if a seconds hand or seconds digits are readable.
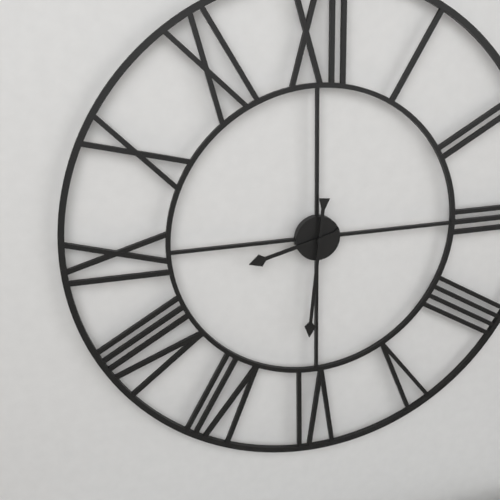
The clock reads 8:31
